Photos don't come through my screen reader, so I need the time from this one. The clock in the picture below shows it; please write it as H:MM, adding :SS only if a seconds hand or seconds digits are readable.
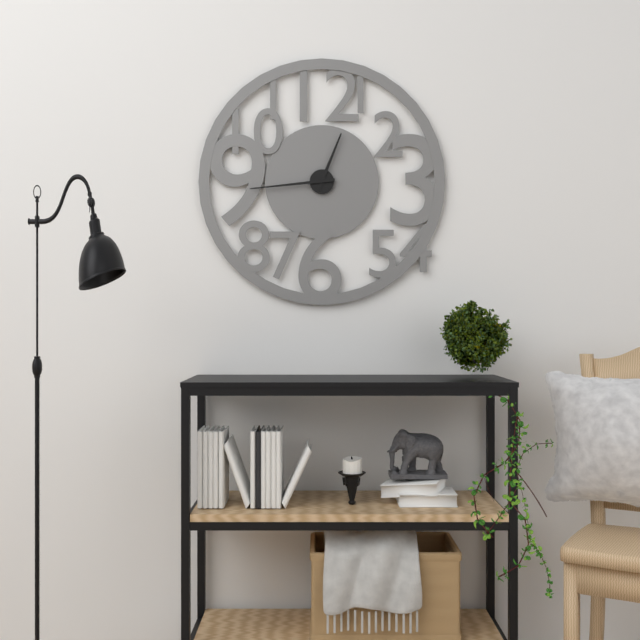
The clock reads 12:44
